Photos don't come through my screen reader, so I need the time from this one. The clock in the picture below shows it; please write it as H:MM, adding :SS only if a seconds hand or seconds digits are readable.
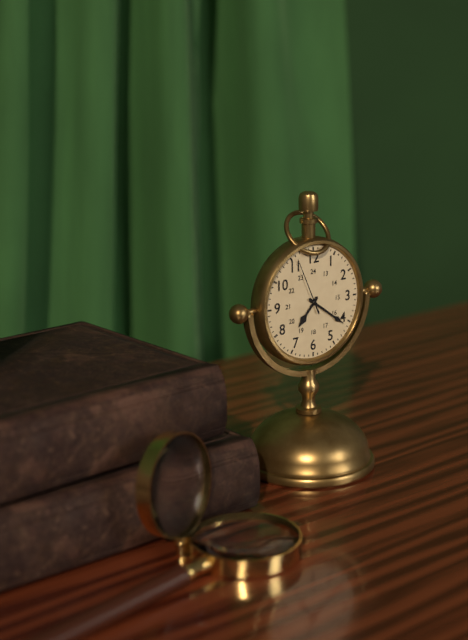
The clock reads 7:21:56
